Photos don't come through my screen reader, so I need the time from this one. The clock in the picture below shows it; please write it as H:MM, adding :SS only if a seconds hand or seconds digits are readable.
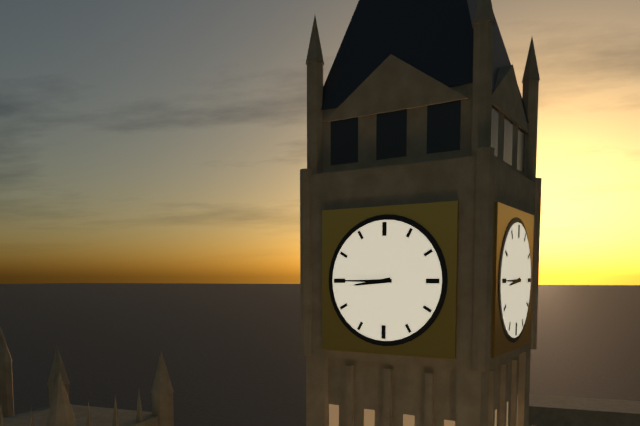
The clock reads 8:45
